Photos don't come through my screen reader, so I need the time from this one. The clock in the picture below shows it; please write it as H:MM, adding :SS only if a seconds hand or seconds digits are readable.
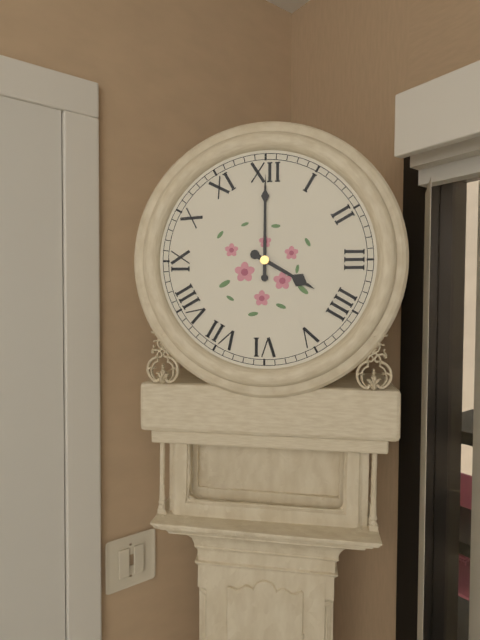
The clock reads 4:00
